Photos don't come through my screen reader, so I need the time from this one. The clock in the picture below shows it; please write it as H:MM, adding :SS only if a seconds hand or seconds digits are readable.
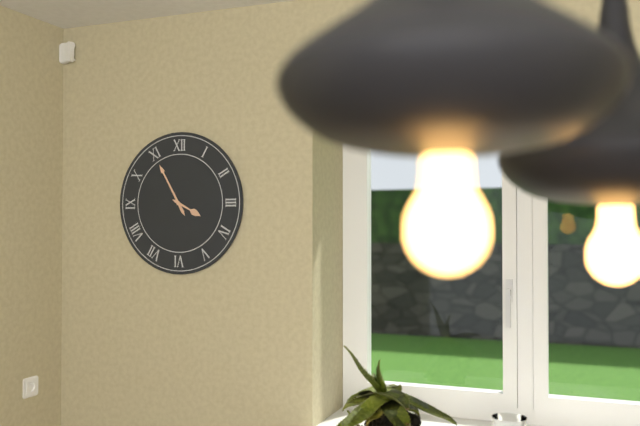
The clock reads 3:55
